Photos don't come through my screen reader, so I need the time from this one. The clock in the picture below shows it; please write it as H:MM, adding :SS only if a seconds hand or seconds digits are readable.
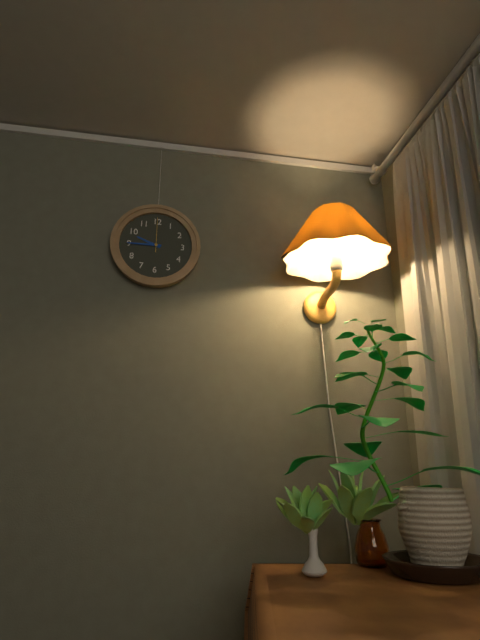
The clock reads 9:45
